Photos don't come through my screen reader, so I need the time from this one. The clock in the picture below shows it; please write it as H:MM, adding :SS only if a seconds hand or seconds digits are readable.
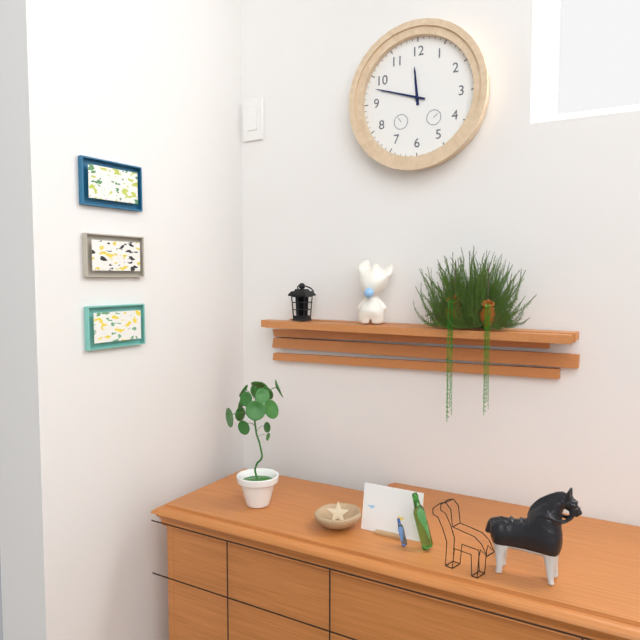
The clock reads 11:48
